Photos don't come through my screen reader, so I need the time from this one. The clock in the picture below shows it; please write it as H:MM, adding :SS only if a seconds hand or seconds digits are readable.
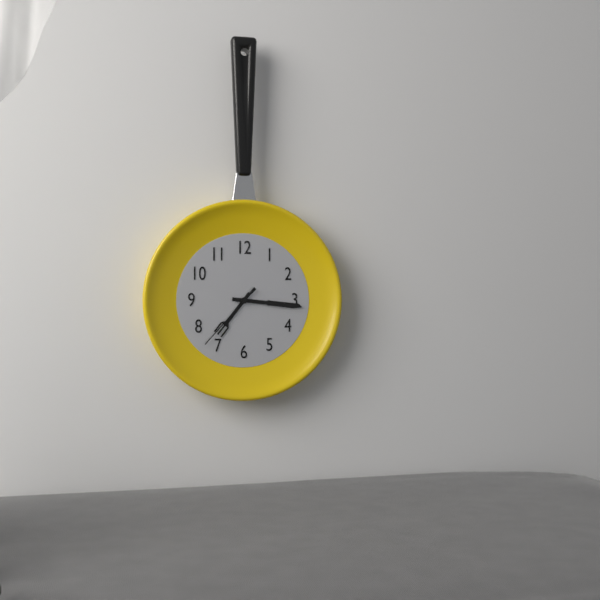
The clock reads 7:16:37
